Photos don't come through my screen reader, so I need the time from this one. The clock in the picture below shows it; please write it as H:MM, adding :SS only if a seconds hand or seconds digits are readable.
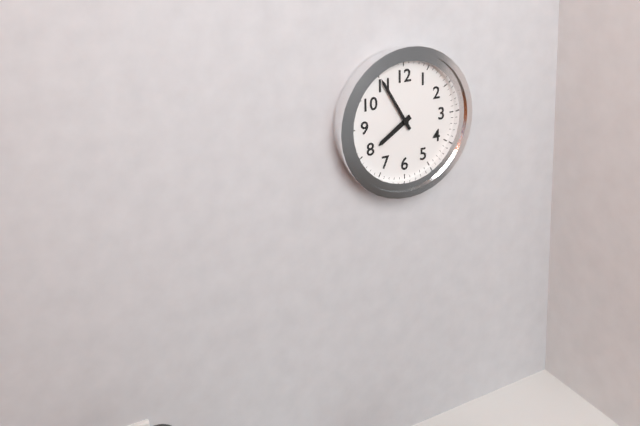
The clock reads 7:55
